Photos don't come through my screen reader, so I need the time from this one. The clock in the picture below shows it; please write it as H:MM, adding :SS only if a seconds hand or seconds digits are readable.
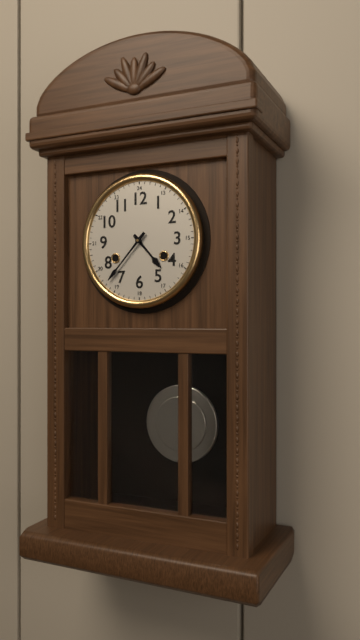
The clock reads 4:37
